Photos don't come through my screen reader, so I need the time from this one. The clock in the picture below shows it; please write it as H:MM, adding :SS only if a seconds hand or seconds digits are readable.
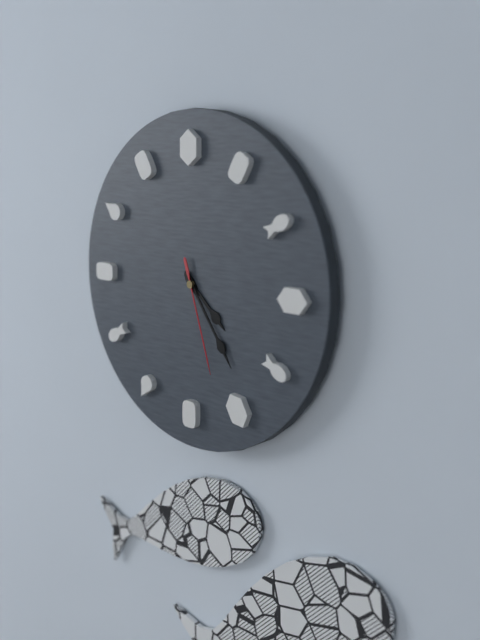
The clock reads 4:24:27
